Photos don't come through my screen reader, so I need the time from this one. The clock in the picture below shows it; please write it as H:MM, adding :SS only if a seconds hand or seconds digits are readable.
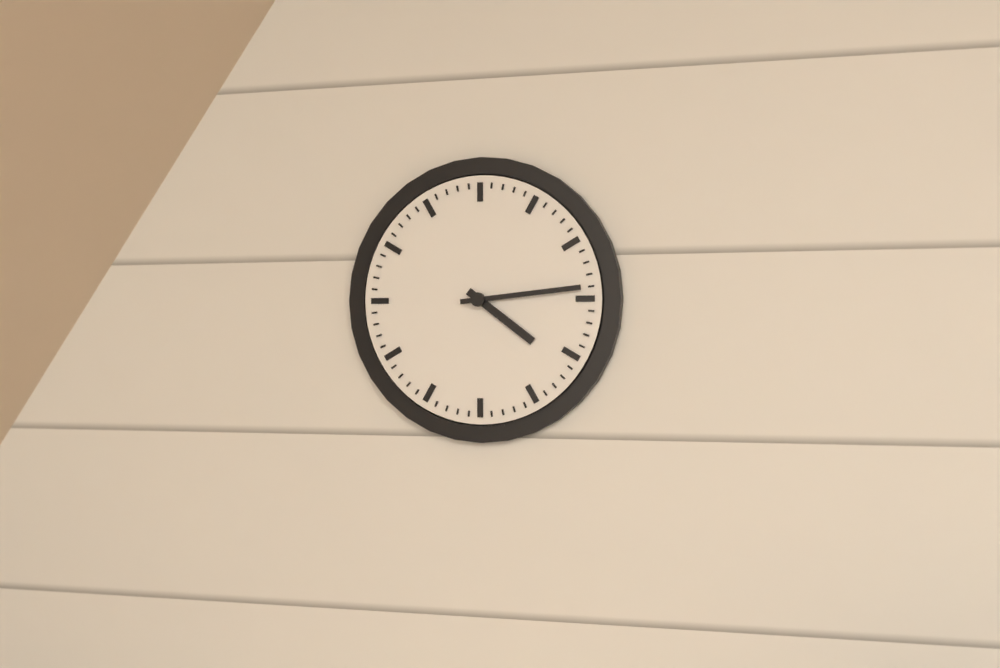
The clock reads 4:14
